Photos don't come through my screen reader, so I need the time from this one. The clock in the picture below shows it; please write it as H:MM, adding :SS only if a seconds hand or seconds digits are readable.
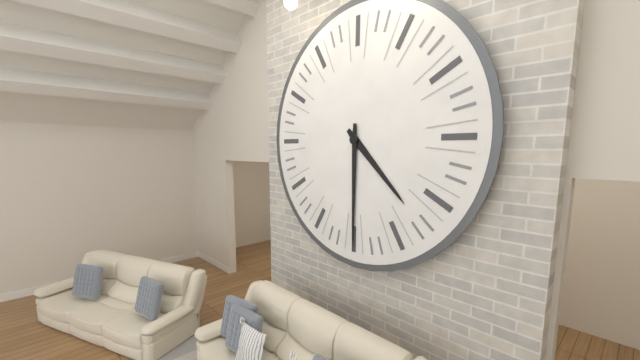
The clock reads 4:30
